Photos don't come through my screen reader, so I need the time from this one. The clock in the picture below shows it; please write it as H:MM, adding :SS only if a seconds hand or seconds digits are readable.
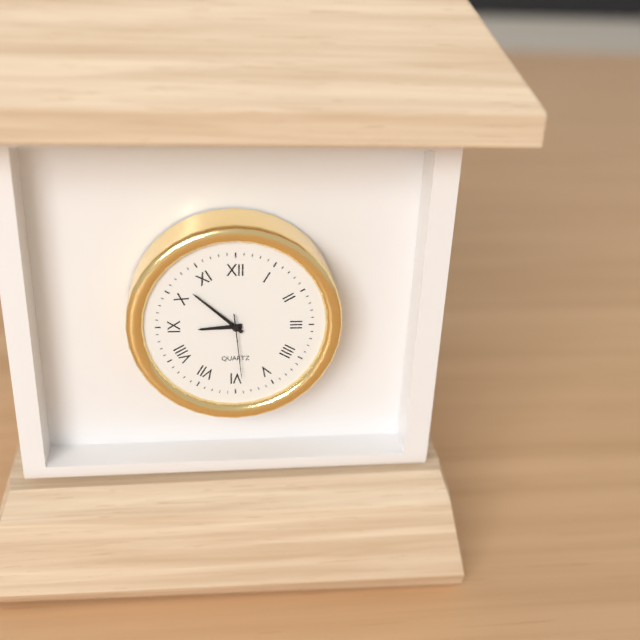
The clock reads 8:52:29
